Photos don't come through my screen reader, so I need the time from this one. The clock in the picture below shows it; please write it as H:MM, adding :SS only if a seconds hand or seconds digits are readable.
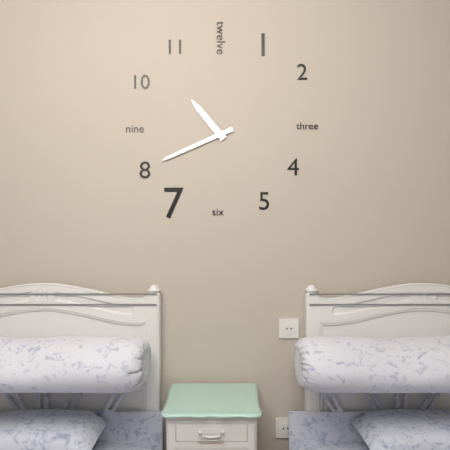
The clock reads 10:41
